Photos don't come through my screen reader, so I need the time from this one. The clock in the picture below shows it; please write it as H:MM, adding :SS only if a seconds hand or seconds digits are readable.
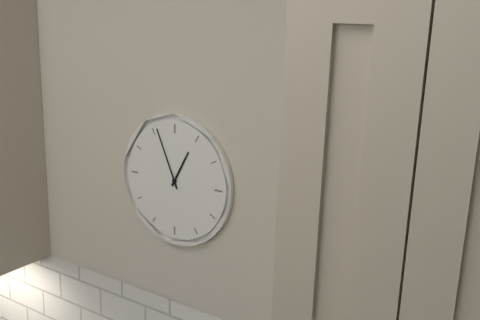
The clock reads 12:56
